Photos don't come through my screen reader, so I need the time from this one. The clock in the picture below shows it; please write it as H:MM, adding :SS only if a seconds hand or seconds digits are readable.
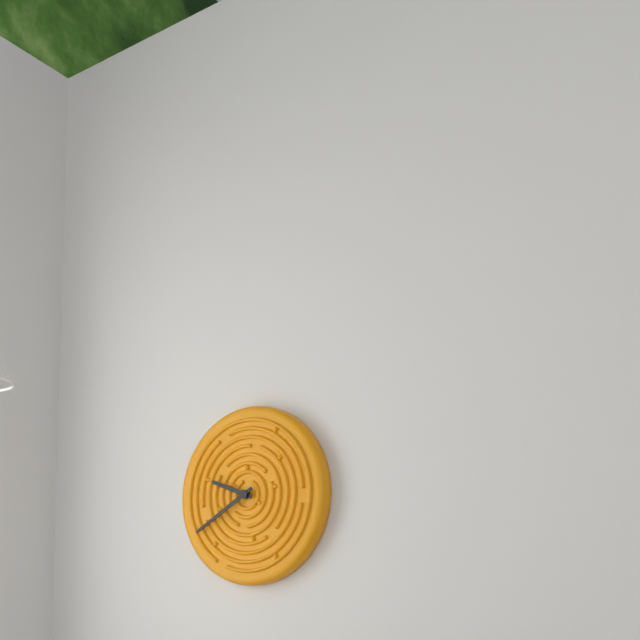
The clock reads 9:40
